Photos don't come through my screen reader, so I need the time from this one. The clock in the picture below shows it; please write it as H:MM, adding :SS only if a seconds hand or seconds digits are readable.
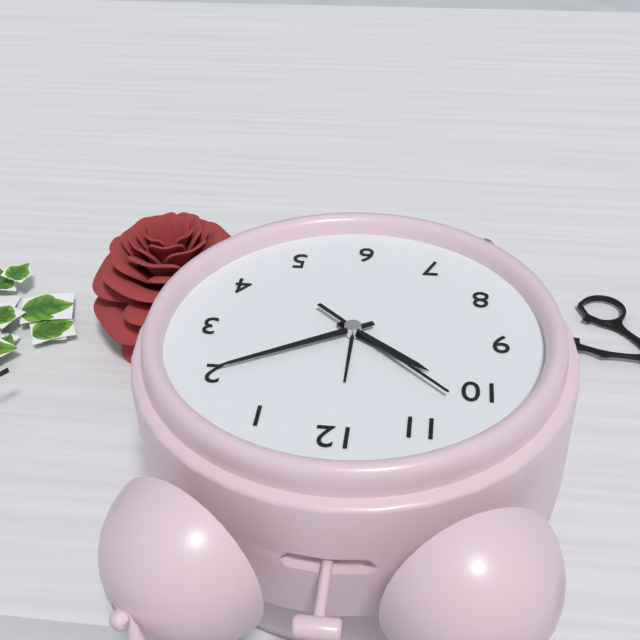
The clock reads 10:10:52
